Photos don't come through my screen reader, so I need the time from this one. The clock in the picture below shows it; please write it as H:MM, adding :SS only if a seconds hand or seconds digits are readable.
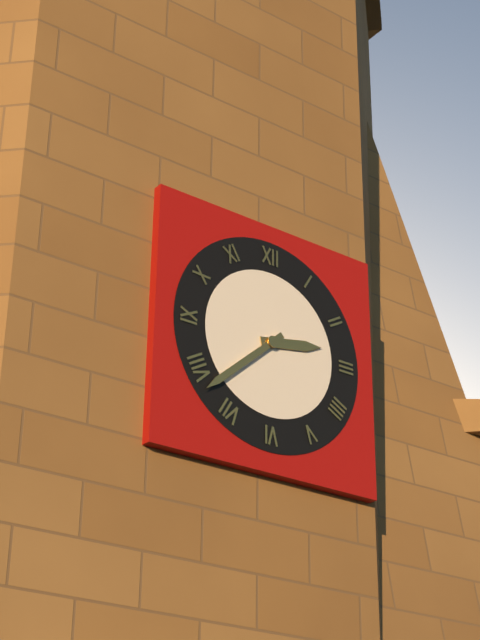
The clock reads 2:38
